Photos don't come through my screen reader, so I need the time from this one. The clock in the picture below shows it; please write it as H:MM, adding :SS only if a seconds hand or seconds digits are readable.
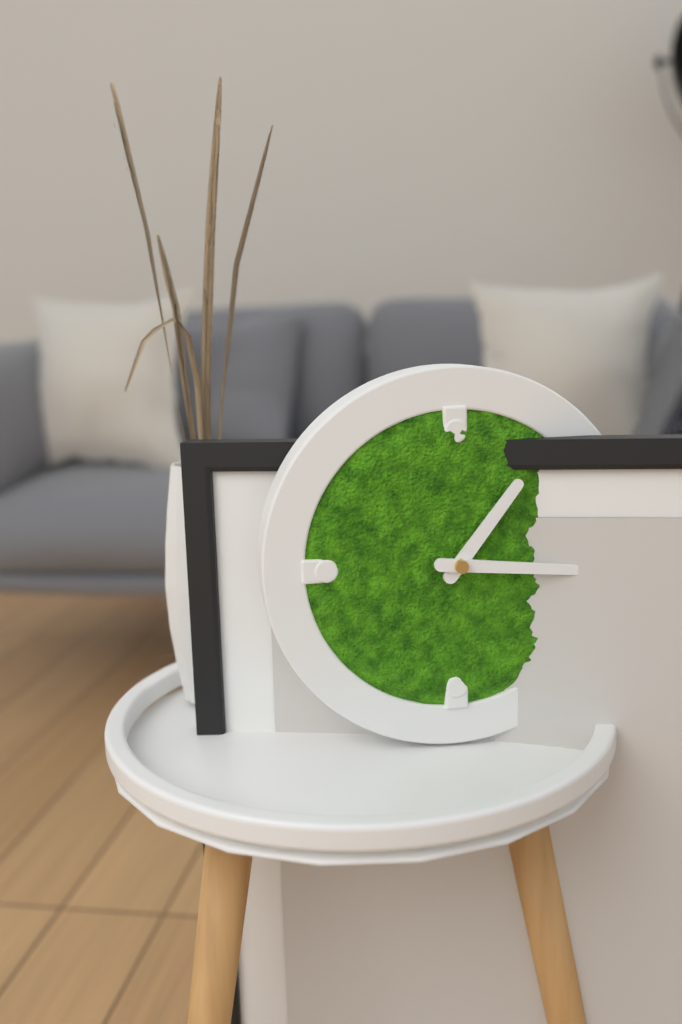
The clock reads 1:16
